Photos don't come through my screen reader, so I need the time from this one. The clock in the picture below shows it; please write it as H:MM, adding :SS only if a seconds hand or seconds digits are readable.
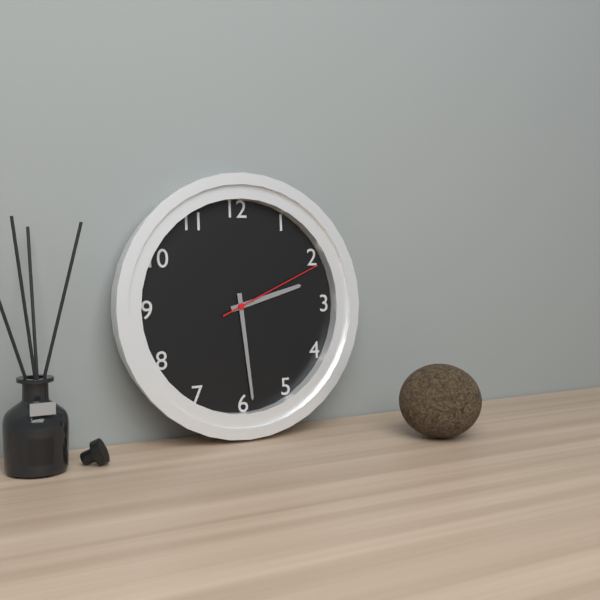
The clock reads 2:29:11
